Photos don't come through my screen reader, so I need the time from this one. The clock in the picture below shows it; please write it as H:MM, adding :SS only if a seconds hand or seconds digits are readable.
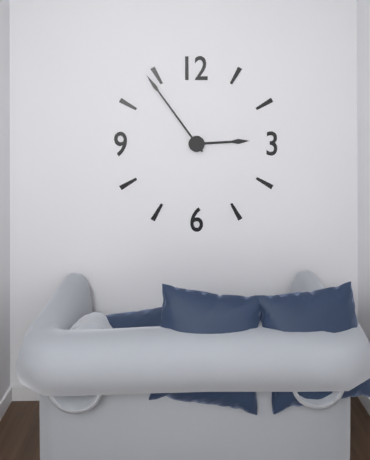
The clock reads 2:54
